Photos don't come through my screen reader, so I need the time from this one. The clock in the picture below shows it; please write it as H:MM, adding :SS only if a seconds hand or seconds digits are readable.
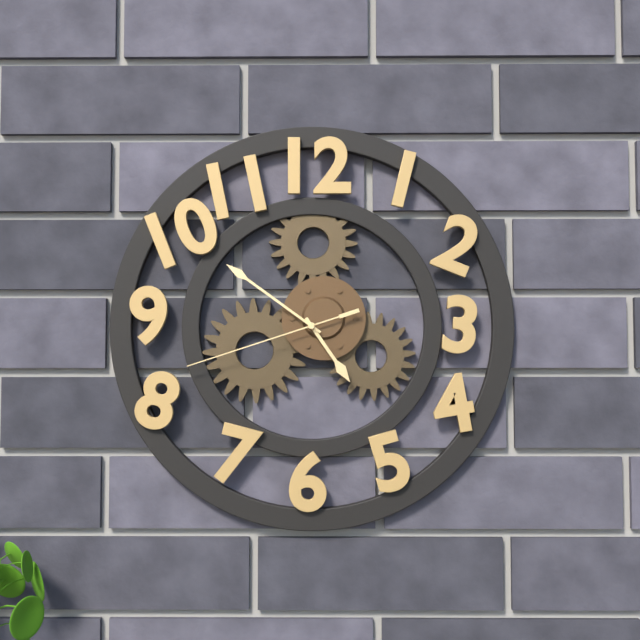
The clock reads 4:51:42
